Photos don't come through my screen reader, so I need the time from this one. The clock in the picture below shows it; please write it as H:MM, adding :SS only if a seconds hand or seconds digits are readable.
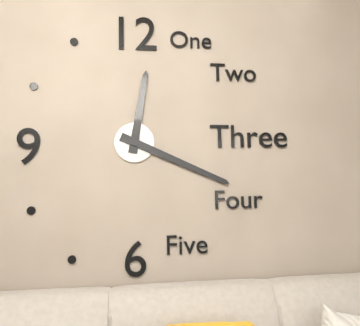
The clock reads 12:19
